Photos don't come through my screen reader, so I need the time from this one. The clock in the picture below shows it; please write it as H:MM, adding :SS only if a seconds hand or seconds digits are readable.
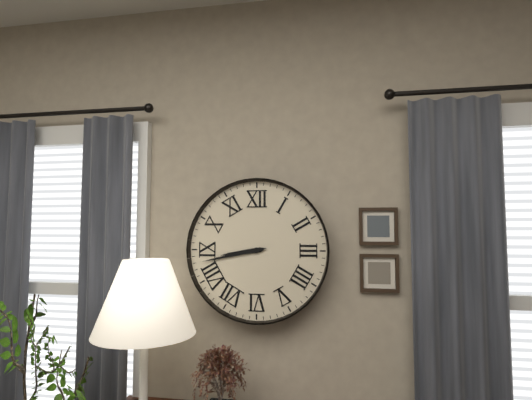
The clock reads 8:43
